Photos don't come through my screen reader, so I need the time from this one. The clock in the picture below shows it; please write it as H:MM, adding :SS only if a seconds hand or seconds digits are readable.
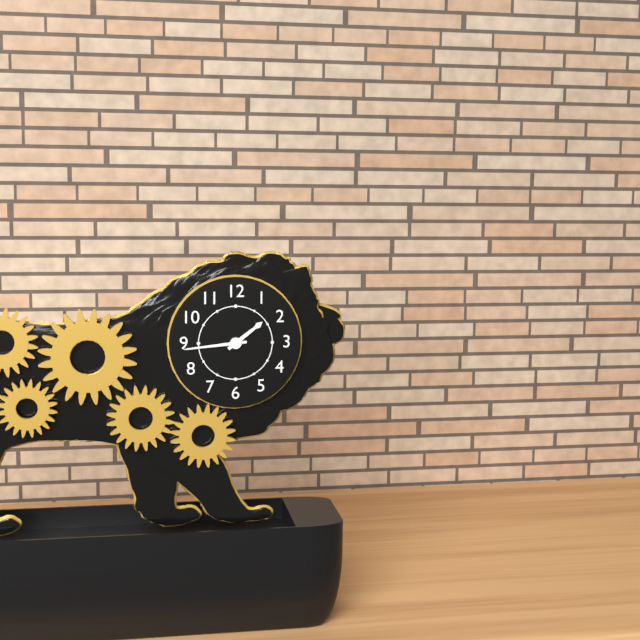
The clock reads 1:44
